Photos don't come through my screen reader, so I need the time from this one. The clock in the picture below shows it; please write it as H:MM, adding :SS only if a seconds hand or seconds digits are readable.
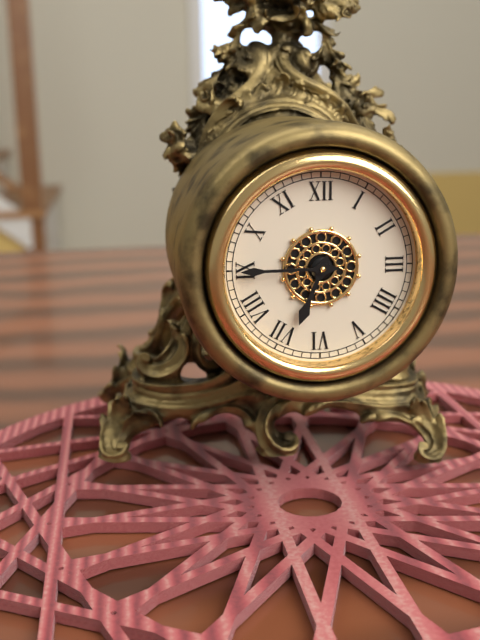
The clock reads 6:45
